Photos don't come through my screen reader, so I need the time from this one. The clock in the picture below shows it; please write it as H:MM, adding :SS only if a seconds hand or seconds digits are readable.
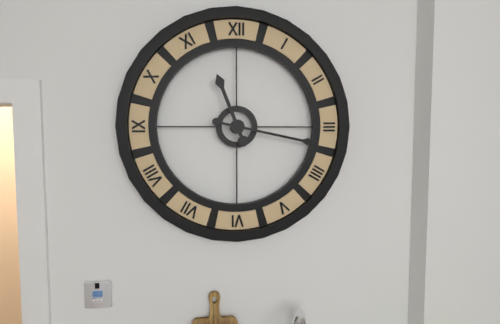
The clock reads 11:17
